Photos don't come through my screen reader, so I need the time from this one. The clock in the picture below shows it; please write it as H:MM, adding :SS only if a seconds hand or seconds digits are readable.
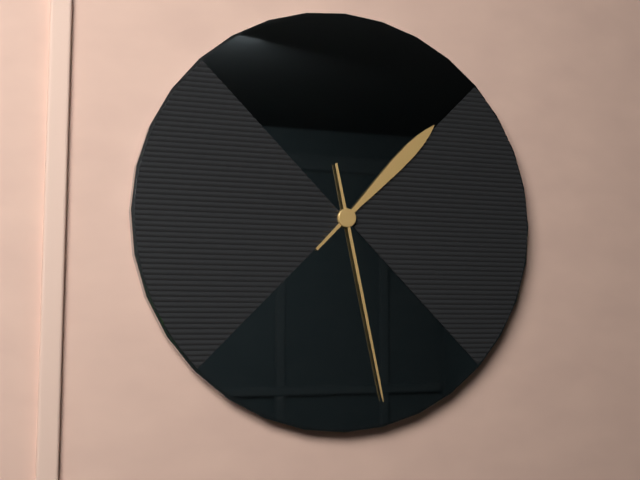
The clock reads 1:28
